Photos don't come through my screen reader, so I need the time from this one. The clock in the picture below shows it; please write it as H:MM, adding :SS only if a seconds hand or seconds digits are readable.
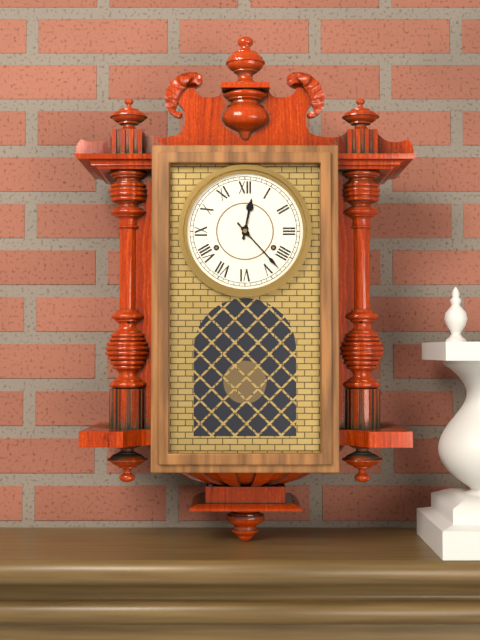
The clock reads 12:23
